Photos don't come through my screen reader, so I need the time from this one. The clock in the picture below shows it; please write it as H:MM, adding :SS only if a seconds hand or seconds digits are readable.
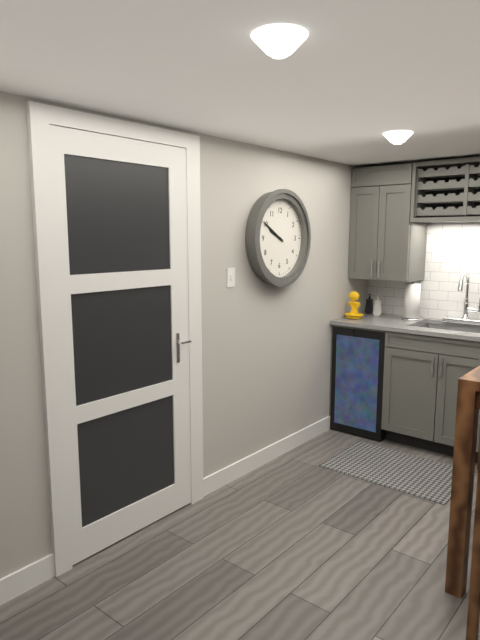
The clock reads 9:50
